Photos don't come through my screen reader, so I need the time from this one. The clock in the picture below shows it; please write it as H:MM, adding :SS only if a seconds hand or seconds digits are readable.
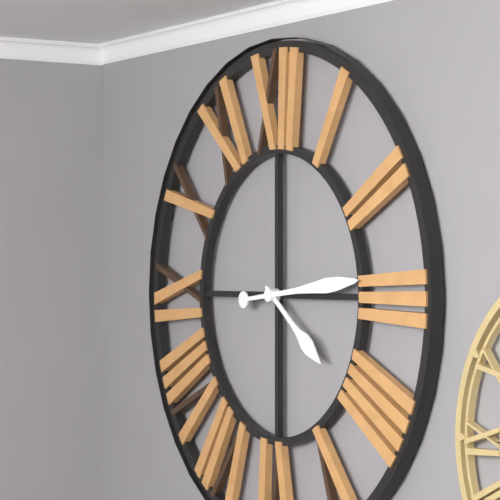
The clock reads 4:14
